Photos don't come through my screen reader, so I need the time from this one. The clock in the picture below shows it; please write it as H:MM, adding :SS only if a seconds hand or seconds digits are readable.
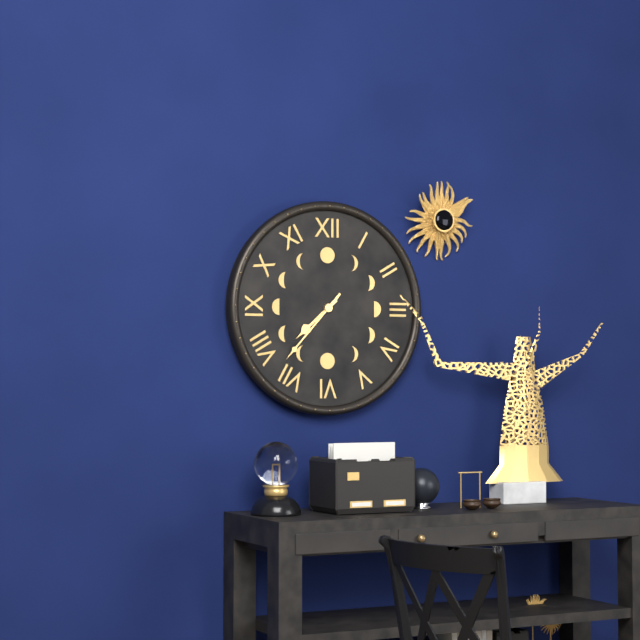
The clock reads 7:37
